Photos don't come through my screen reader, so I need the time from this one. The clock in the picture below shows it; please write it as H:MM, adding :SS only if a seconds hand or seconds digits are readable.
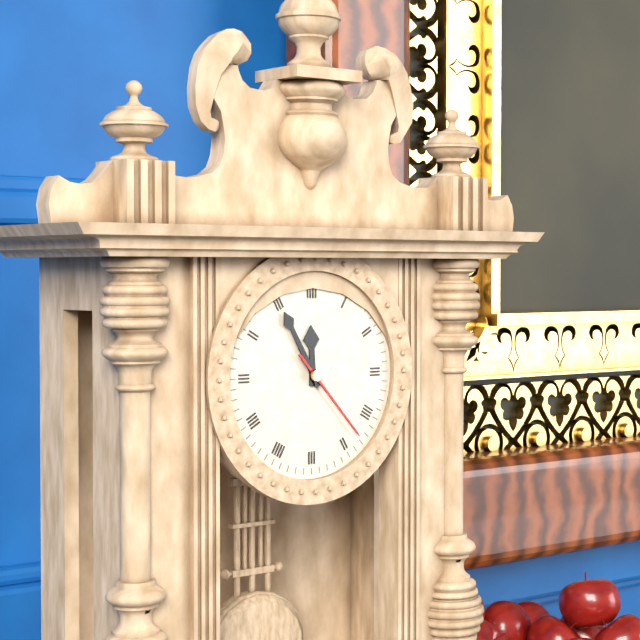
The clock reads 11:55:23
